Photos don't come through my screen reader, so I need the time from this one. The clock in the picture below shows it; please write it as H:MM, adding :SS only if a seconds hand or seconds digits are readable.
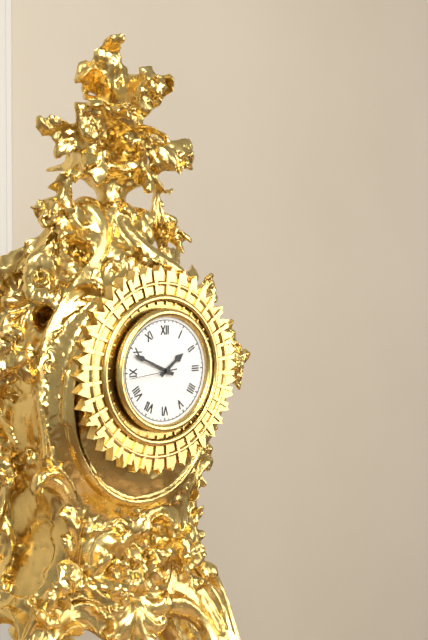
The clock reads 1:49
